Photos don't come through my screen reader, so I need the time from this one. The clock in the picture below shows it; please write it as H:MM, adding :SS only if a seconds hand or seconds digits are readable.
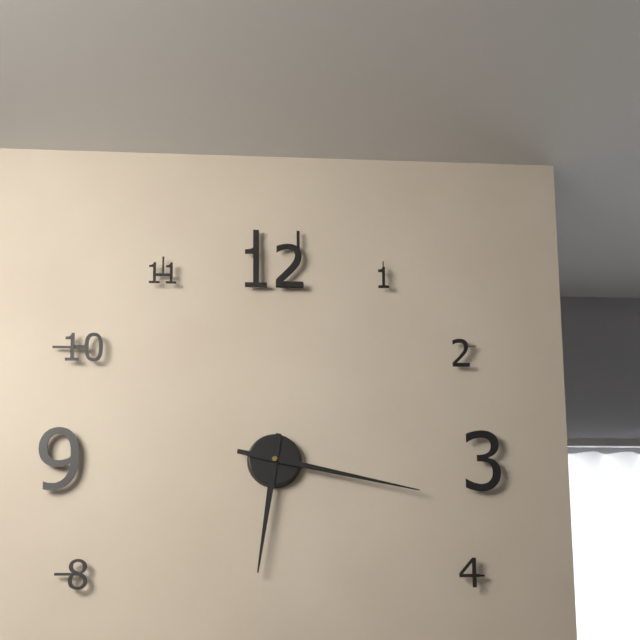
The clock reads 6:17
